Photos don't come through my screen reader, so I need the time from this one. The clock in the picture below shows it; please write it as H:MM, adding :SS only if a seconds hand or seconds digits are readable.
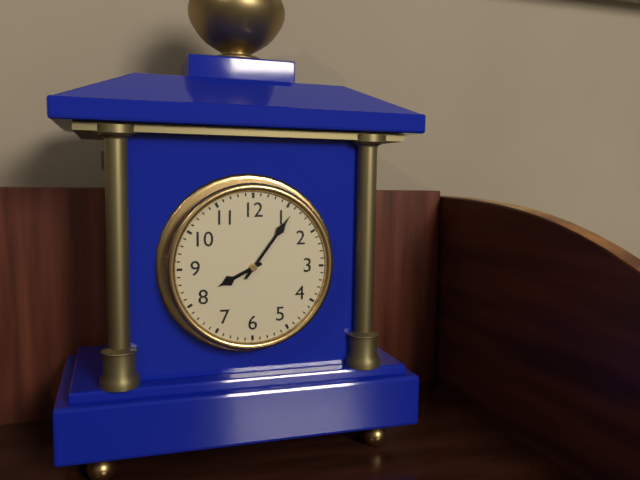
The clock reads 8:06
